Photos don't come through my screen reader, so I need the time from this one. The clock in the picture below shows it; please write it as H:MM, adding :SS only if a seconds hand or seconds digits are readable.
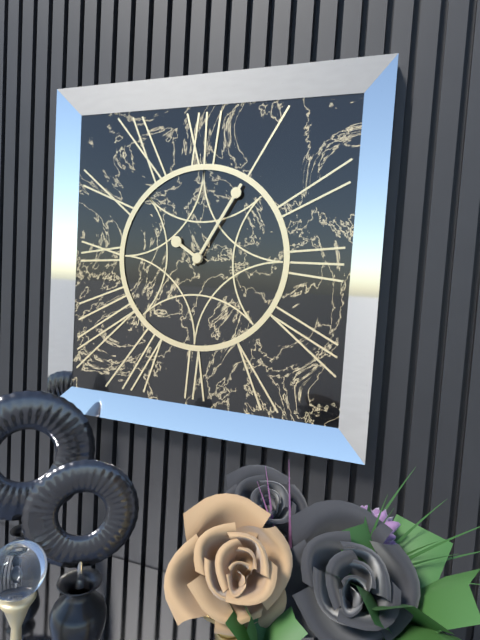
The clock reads 10:05
